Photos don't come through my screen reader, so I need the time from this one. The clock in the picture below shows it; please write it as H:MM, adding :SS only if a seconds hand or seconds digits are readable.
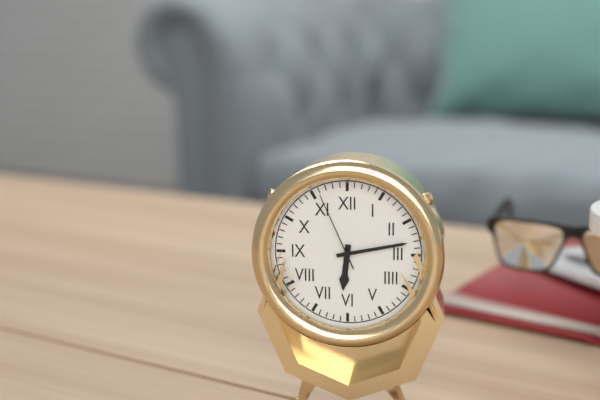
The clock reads 6:13:56
